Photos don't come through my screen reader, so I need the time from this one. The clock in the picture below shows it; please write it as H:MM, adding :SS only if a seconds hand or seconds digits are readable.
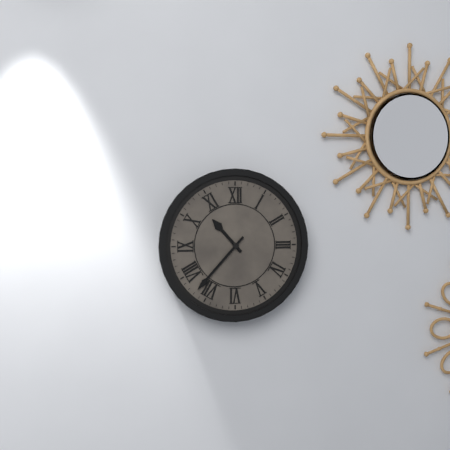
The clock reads 10:37
